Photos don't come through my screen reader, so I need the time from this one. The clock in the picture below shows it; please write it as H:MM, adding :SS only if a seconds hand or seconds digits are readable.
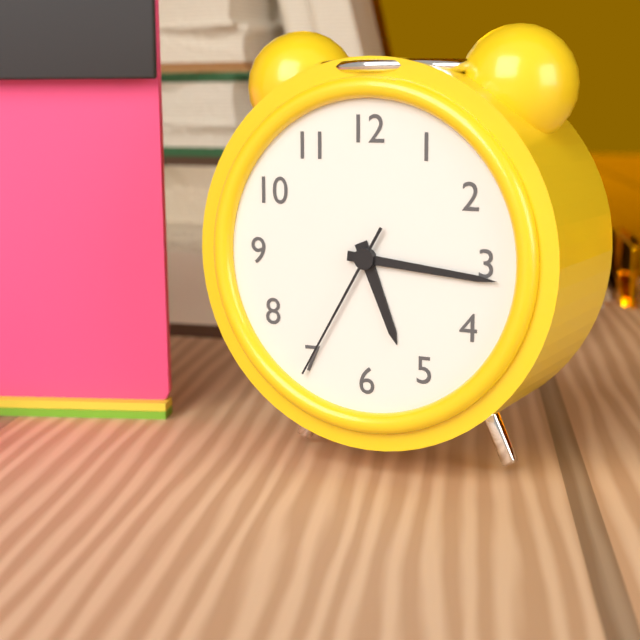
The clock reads 5:16:35
